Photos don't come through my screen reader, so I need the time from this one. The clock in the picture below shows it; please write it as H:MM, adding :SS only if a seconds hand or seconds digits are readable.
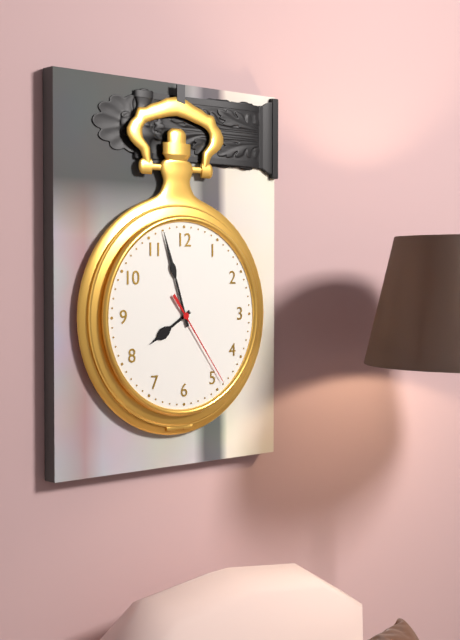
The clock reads 7:57:24
